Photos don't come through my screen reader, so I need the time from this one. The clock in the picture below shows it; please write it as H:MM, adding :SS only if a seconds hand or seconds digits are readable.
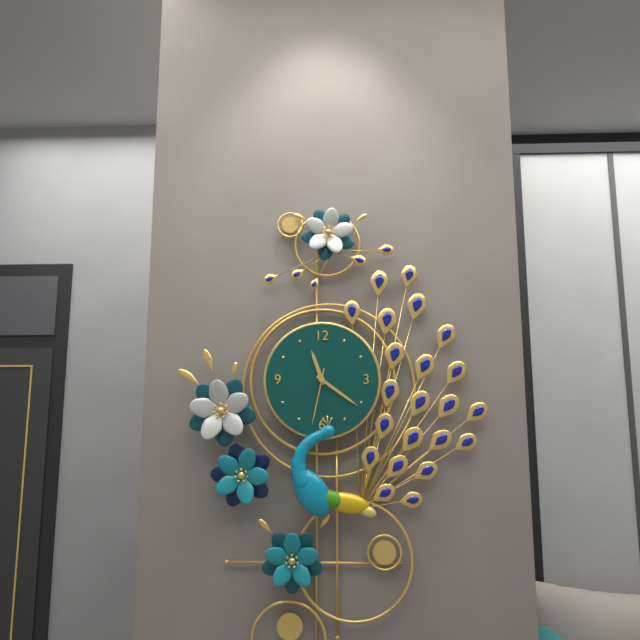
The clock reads 11:21:32
